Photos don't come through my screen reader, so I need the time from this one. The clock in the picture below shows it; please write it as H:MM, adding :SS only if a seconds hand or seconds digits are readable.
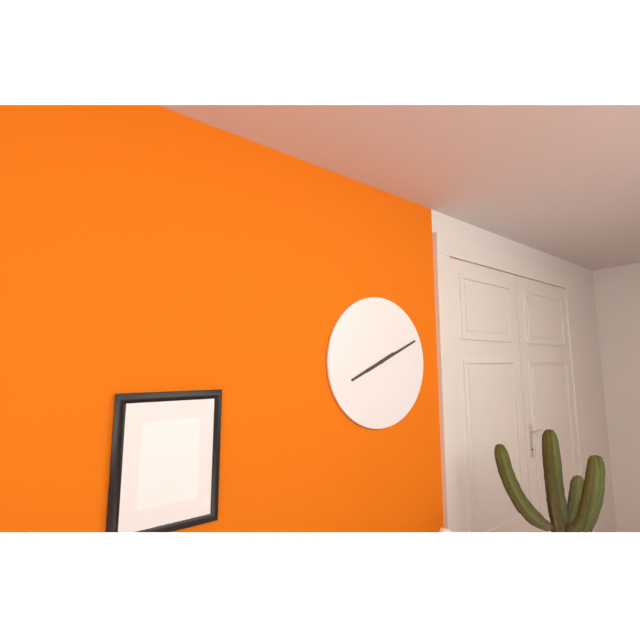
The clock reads 8:11
